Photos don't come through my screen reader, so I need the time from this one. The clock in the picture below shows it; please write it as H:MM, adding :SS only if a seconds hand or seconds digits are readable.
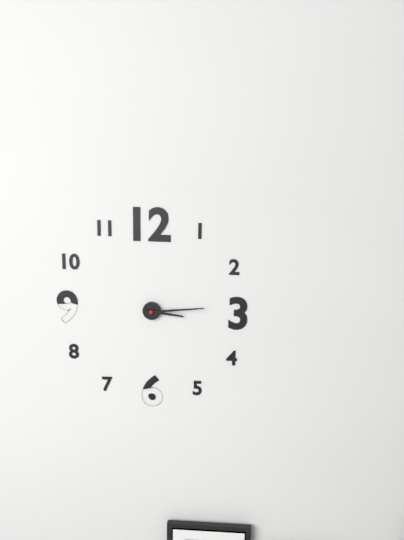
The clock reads 3:14
